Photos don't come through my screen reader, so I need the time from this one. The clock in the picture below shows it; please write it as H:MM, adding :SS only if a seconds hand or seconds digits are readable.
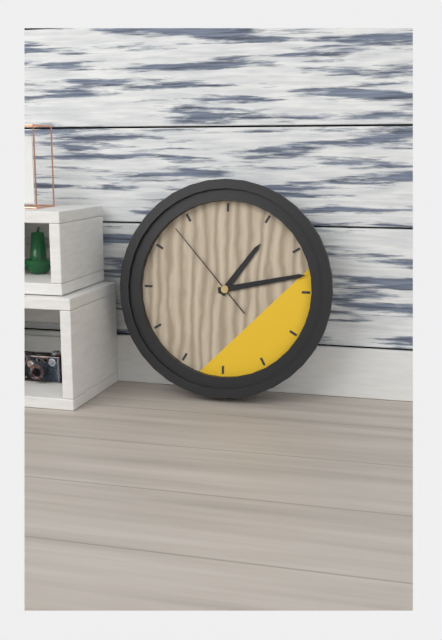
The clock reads 1:13:53
